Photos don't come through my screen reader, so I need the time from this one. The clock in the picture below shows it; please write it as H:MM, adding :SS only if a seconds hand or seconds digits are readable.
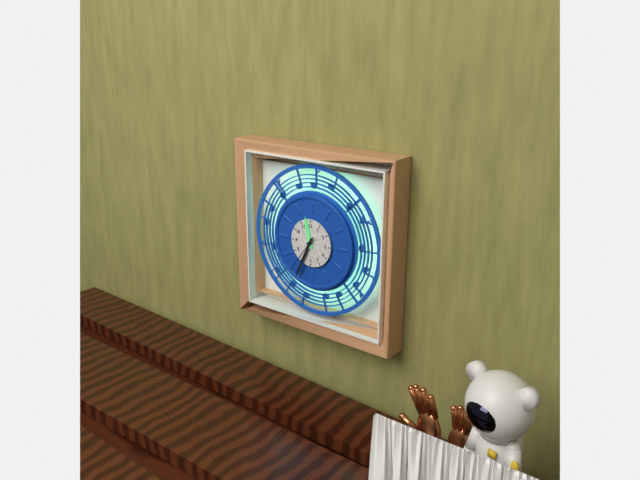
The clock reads 11:34
